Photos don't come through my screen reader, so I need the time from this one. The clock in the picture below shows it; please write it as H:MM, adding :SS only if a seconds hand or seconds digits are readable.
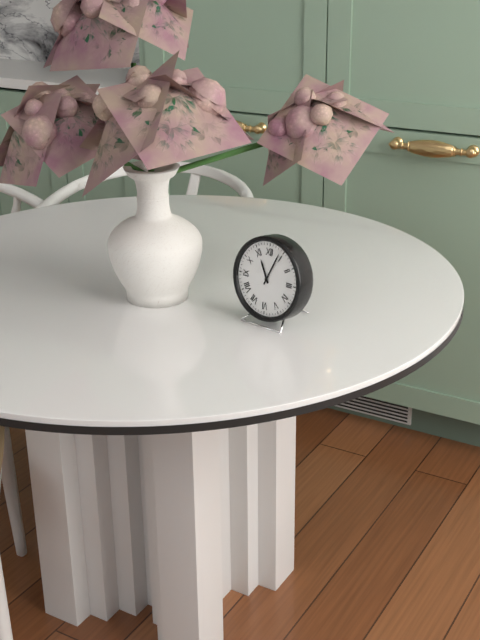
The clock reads 11:04
